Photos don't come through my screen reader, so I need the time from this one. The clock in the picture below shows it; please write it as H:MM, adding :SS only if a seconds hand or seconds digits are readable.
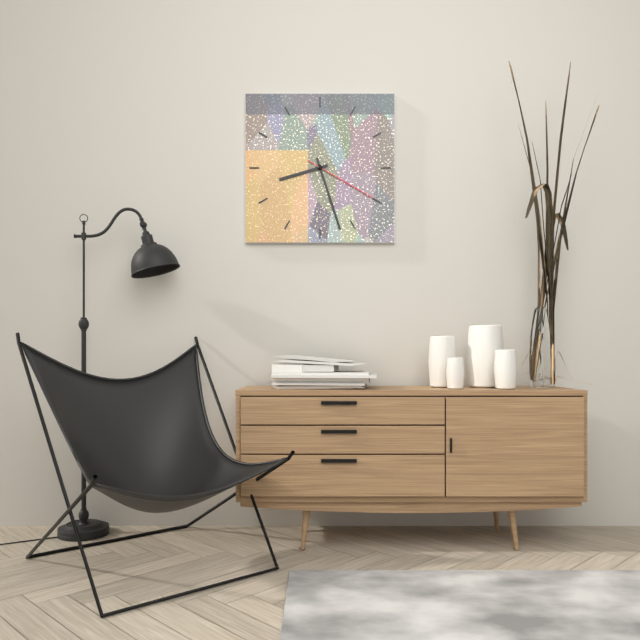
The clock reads 8:27:20
